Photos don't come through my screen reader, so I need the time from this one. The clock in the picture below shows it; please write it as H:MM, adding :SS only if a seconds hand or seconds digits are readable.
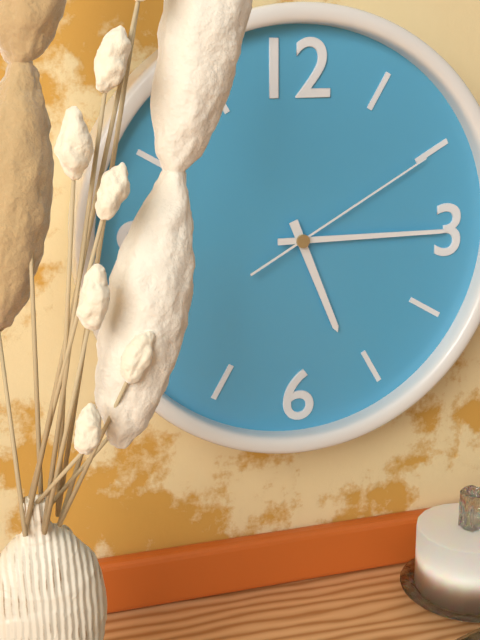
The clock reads 5:15:10
